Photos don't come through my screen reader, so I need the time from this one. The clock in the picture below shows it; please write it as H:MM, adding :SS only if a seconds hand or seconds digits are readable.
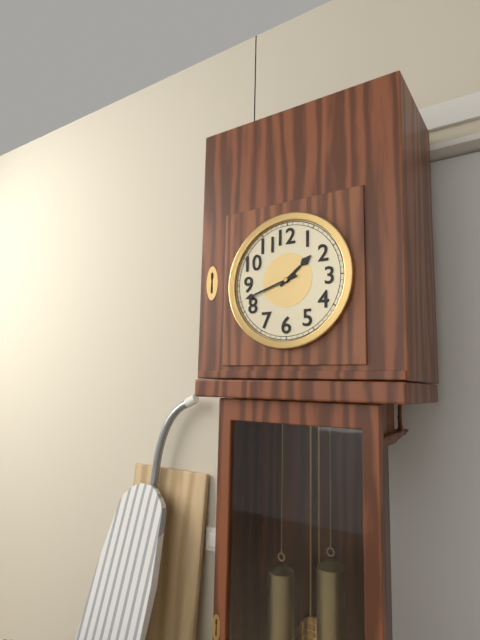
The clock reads 1:42
